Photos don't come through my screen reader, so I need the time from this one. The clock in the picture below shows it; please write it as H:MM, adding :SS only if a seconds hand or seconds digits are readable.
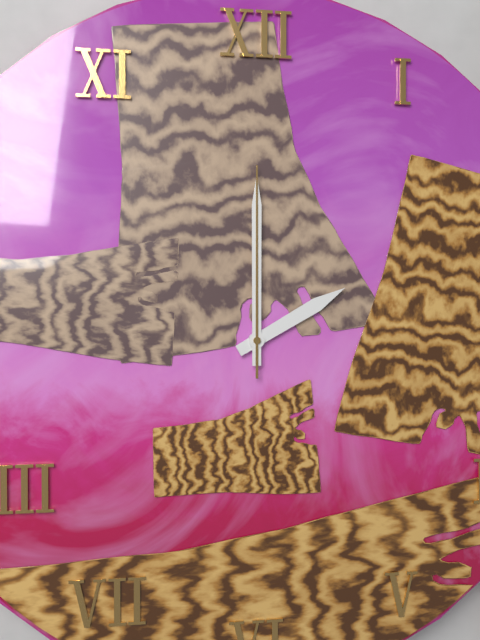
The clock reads 2:00:00
